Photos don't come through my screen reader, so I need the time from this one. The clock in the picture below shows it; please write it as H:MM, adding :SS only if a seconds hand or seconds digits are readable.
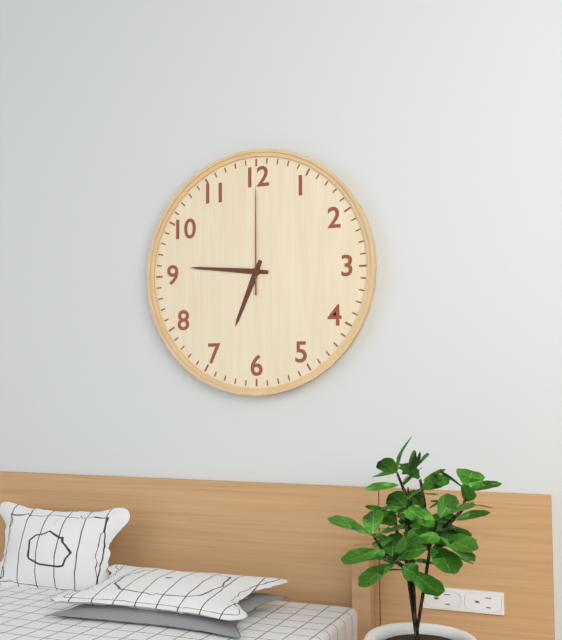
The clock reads 6:46:00
